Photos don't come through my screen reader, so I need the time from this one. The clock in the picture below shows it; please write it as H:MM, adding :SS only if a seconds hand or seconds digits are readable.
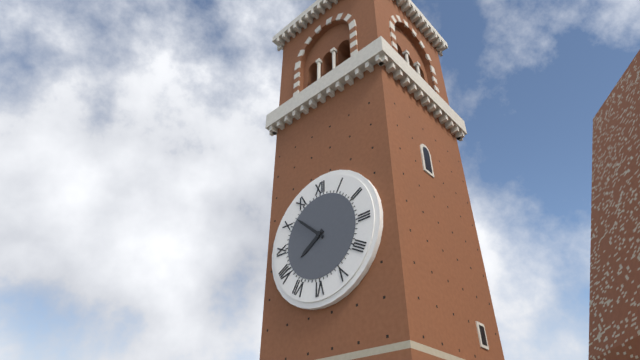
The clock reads 7:52
